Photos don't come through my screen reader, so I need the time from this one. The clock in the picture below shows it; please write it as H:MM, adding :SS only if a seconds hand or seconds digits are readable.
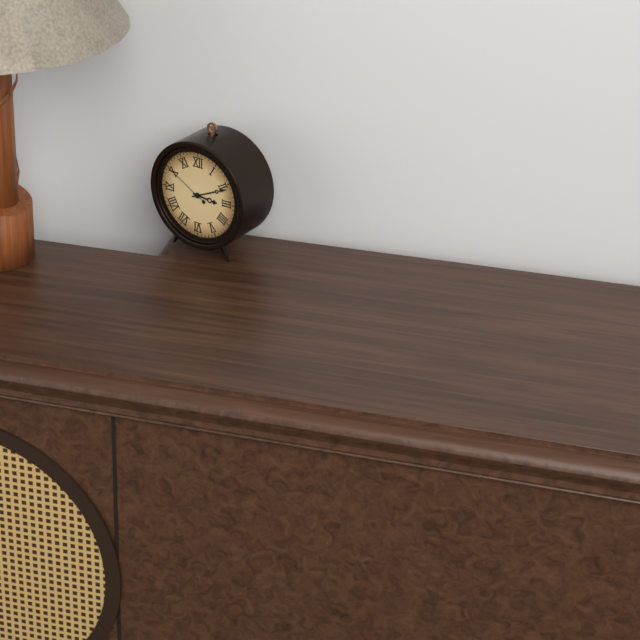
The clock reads 3:11:50
